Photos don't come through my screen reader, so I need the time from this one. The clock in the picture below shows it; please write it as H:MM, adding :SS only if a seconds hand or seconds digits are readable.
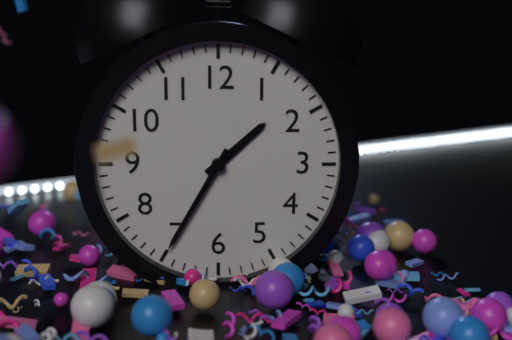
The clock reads 1:35
